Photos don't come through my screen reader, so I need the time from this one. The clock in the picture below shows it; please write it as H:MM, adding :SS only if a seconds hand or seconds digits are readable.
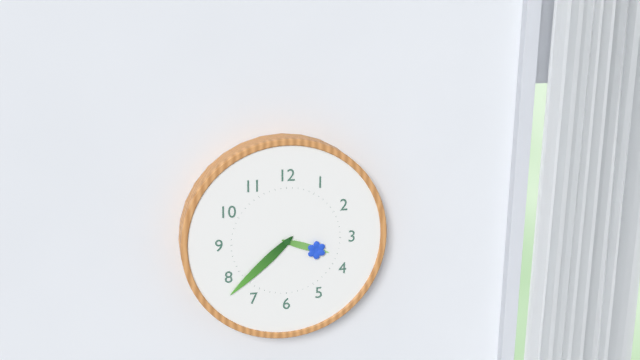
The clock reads 3:38
